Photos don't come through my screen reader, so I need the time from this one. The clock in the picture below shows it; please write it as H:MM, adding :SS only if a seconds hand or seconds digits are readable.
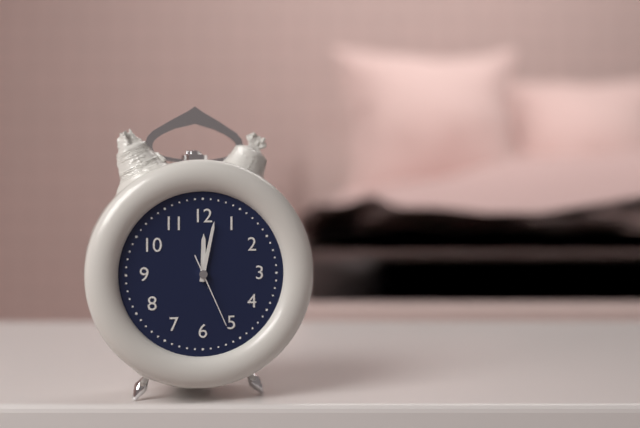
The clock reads 12:02:26
